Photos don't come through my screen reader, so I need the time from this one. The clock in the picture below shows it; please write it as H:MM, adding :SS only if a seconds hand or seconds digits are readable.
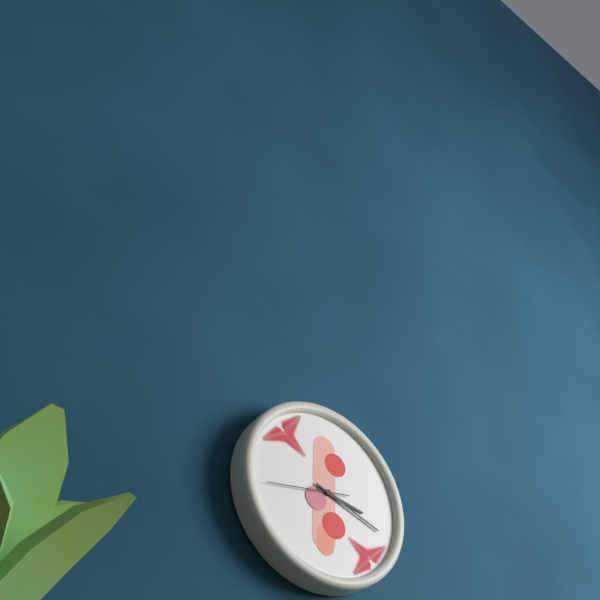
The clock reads 3:18:43
